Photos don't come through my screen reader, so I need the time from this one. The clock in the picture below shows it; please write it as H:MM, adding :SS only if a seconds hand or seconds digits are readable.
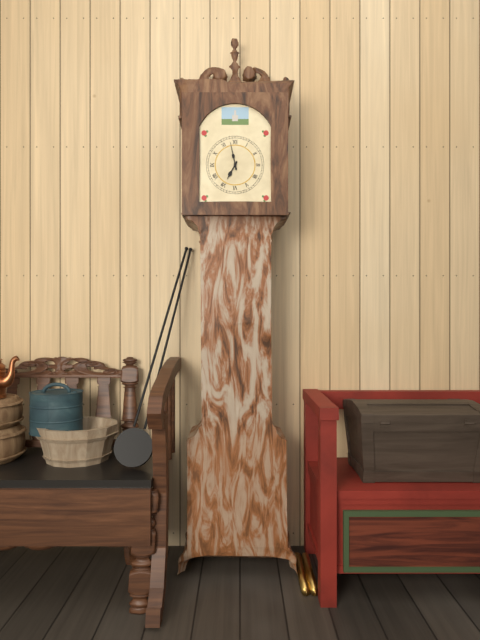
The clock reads 6:58
